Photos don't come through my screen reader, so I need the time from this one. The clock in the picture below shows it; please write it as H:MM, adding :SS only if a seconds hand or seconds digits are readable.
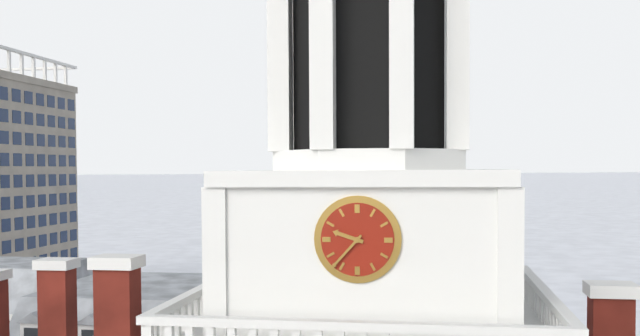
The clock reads 9:37
